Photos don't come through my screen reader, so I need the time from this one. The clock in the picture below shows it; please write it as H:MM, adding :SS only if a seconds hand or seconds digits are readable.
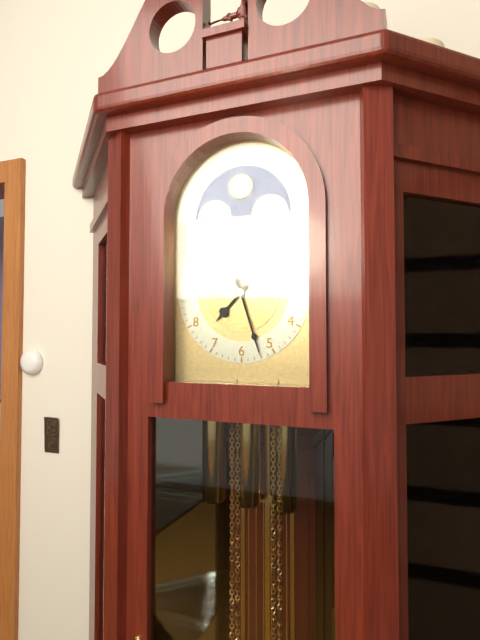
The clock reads 7:27
